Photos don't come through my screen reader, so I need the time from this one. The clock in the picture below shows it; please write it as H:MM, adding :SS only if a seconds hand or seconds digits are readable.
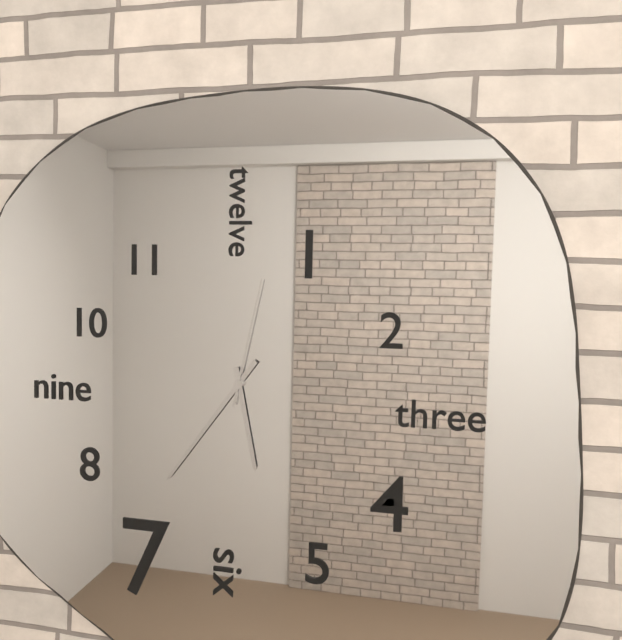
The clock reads 5:36:02
